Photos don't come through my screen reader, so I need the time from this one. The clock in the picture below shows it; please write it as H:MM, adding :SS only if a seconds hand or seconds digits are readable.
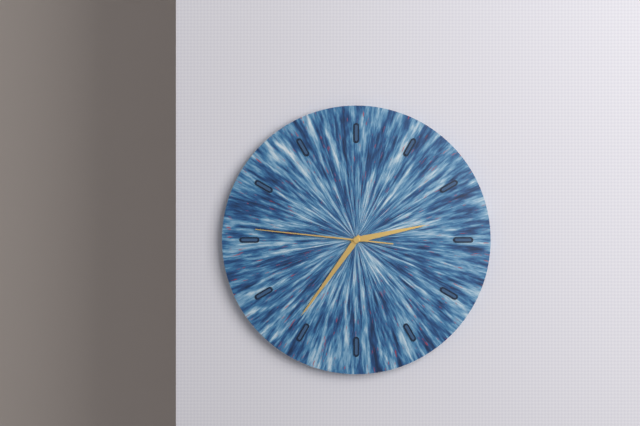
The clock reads 2:36:46
